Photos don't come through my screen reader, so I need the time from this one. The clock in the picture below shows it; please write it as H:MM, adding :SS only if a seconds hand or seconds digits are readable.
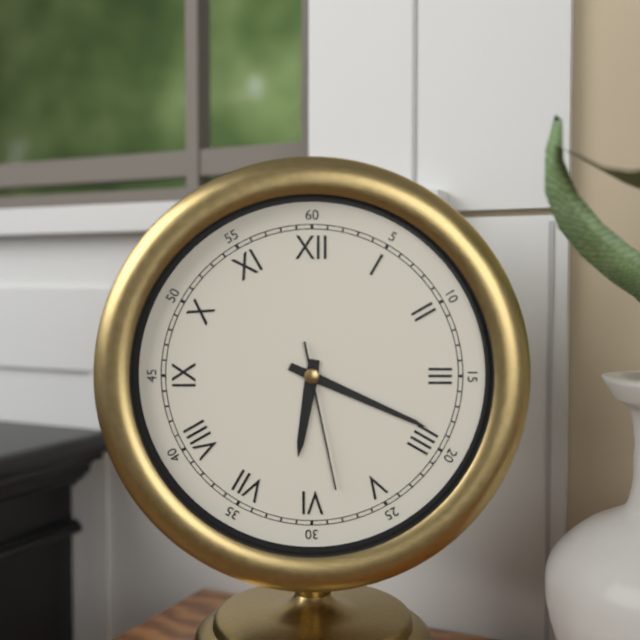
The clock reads 6:19:28
